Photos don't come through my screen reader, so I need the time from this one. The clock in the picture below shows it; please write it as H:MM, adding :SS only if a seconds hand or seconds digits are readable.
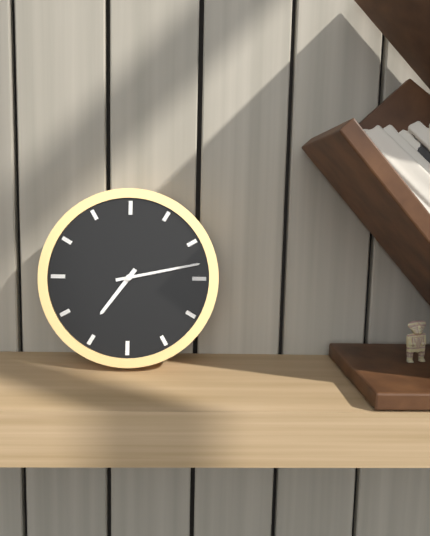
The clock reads 7:13
